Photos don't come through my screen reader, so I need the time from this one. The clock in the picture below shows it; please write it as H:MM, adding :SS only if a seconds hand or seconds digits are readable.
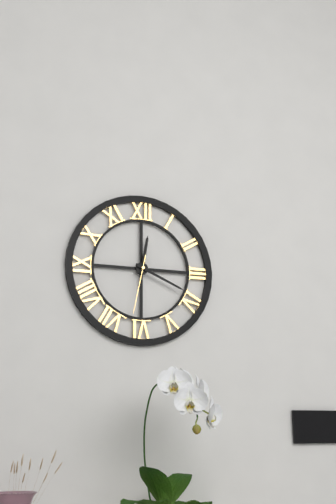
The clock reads 12:19:32
